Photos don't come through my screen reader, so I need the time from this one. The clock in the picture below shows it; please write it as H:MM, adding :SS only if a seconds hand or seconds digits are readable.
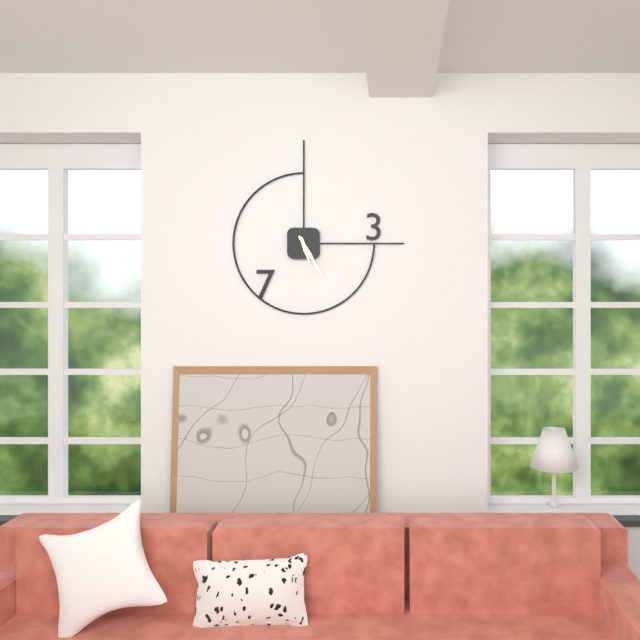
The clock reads 5:25
